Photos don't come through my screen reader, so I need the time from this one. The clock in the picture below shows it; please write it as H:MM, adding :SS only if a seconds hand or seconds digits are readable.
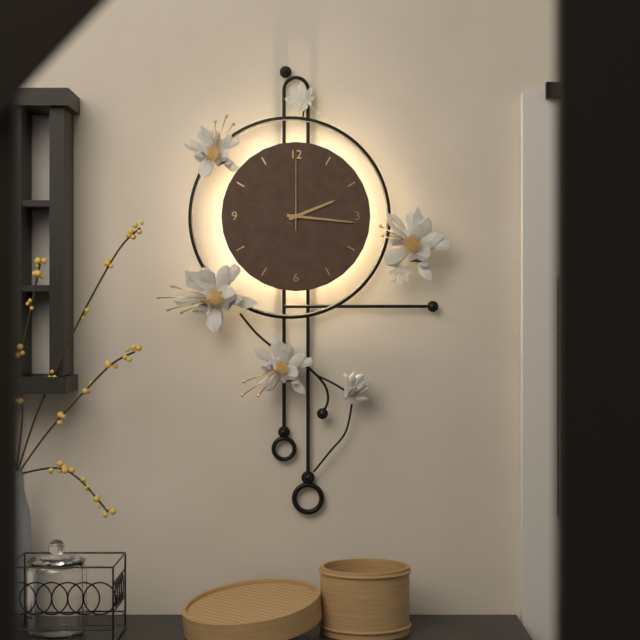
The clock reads 2:16:00
